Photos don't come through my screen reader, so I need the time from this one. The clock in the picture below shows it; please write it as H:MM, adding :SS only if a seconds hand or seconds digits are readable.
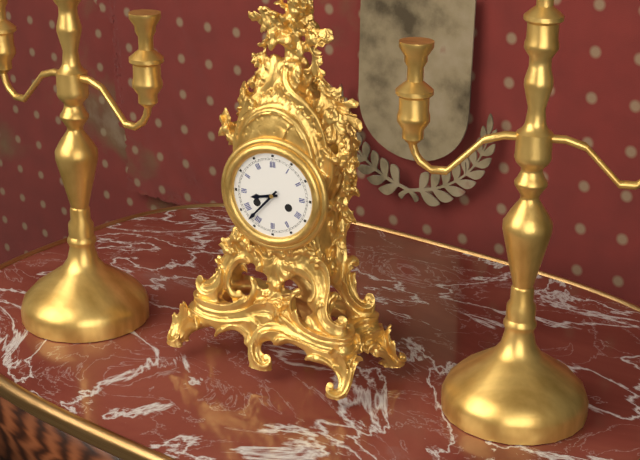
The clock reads 8:37
